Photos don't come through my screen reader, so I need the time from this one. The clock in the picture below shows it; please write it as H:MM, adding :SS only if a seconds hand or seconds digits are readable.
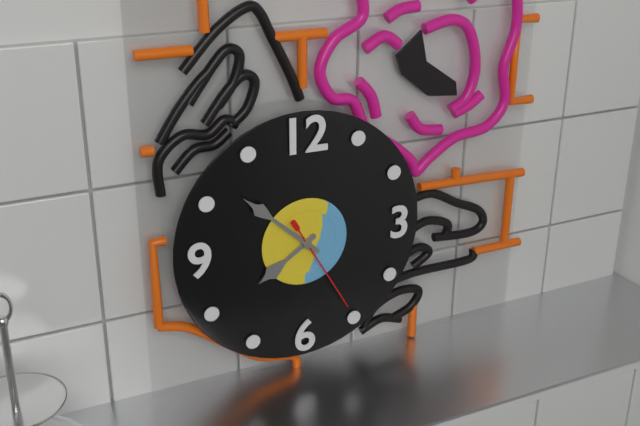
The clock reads 7:52:25
